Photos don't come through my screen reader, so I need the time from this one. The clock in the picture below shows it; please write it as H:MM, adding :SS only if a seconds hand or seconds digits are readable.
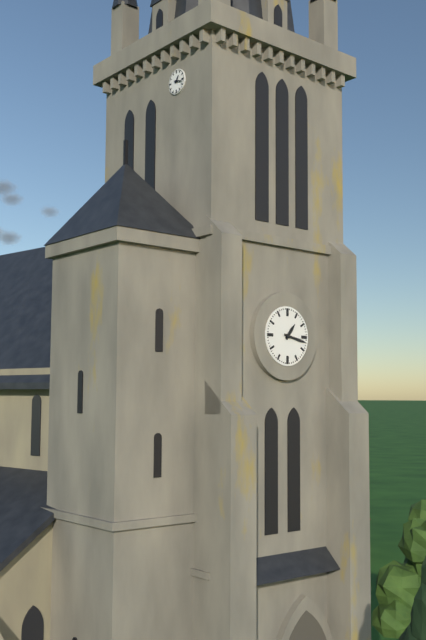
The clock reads 1:17
